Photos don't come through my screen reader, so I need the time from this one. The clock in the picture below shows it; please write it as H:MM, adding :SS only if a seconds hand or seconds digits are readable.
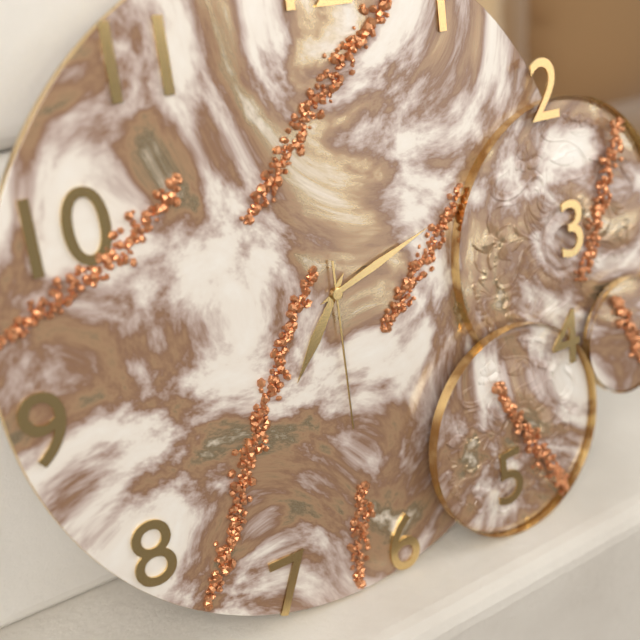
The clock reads 7:12:30
